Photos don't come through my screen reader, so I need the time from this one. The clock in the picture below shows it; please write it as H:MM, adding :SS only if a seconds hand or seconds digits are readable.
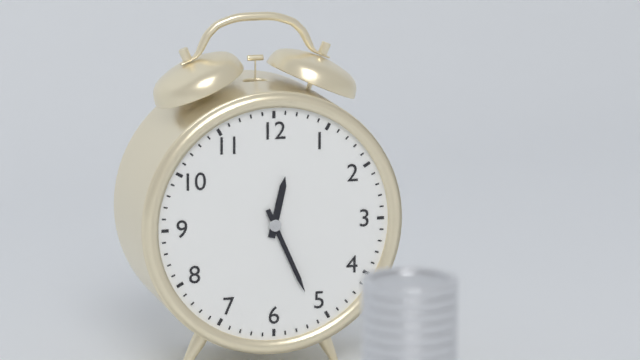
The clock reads 12:26
